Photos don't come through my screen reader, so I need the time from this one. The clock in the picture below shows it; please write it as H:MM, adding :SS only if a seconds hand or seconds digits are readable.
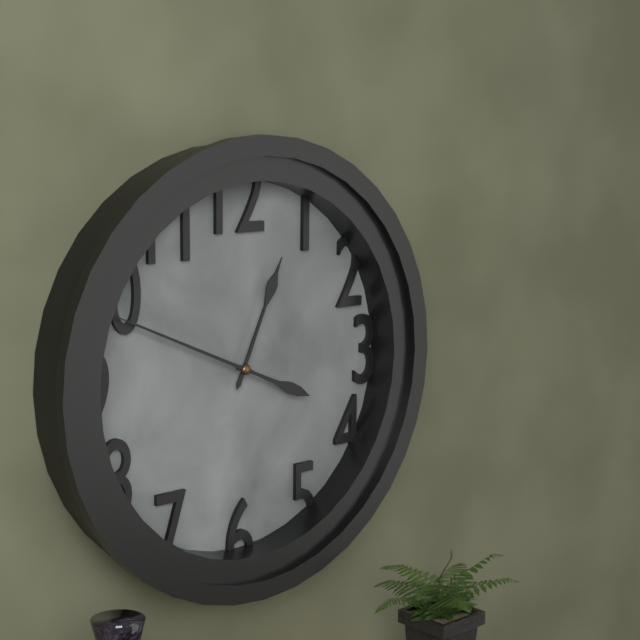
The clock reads 12:49
